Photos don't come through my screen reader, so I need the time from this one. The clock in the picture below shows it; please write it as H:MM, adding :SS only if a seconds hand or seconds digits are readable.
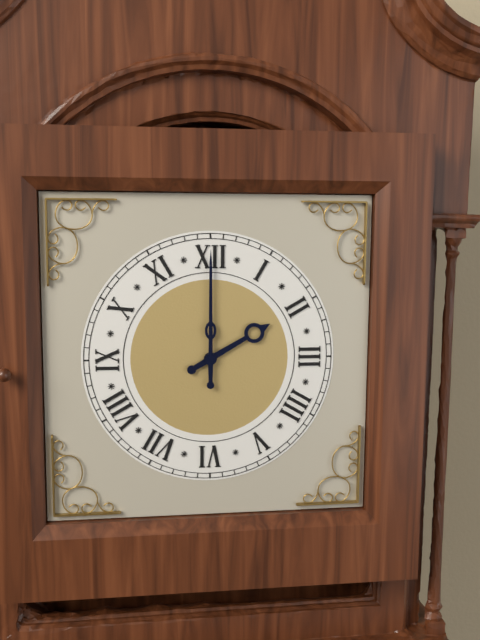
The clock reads 2:00
